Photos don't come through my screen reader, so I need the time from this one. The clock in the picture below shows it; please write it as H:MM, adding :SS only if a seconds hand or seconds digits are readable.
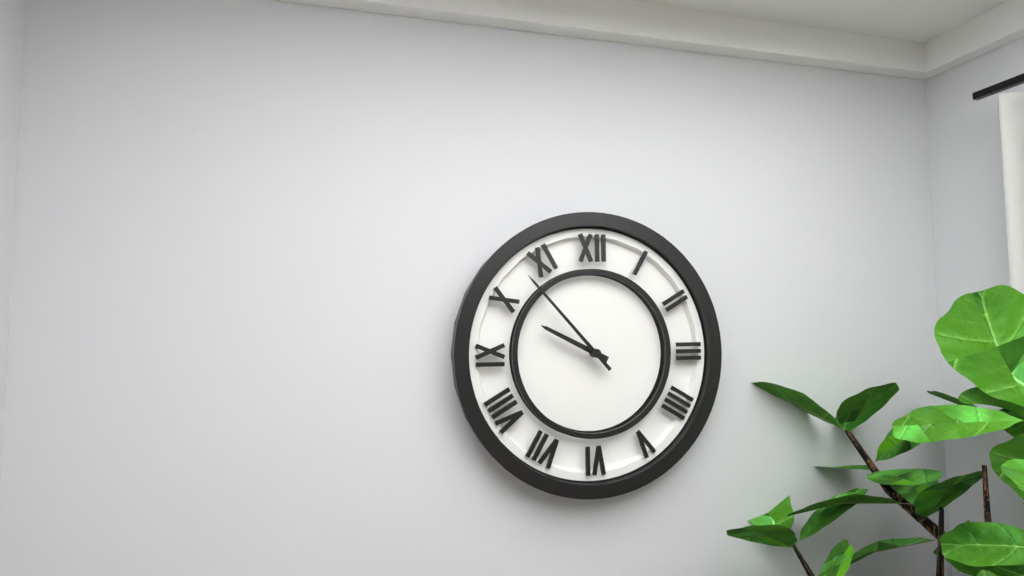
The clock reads 9:53
